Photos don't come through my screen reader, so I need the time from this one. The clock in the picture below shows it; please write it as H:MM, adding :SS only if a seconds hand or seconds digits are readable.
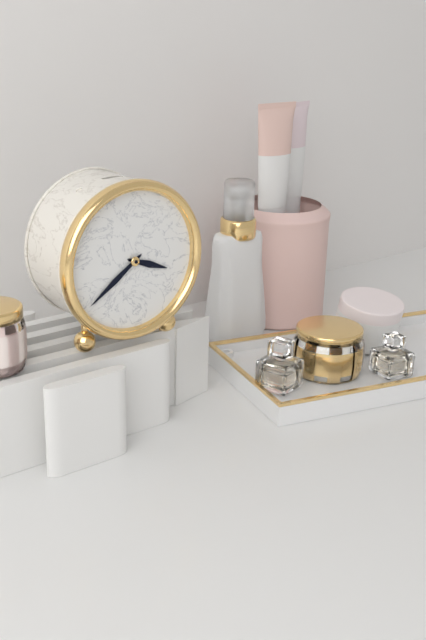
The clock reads 3:39
